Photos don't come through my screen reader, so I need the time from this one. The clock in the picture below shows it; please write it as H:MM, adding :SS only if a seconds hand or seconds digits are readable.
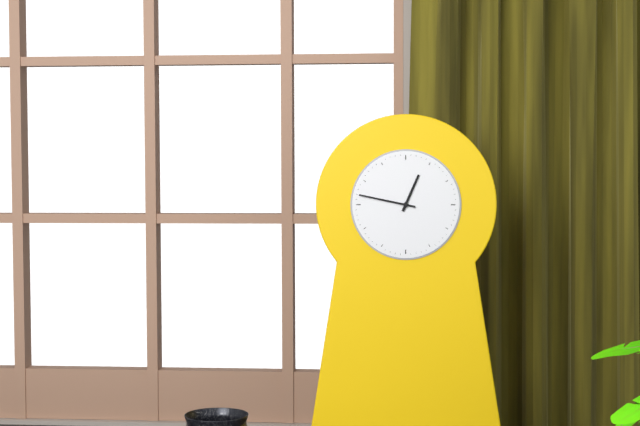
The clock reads 12:47
